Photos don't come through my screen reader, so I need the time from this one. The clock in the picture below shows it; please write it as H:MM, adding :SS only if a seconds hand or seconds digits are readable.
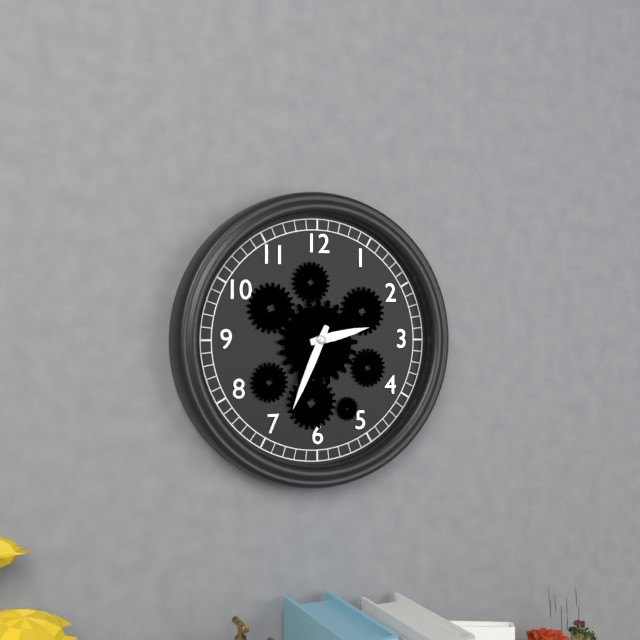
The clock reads 2:34
